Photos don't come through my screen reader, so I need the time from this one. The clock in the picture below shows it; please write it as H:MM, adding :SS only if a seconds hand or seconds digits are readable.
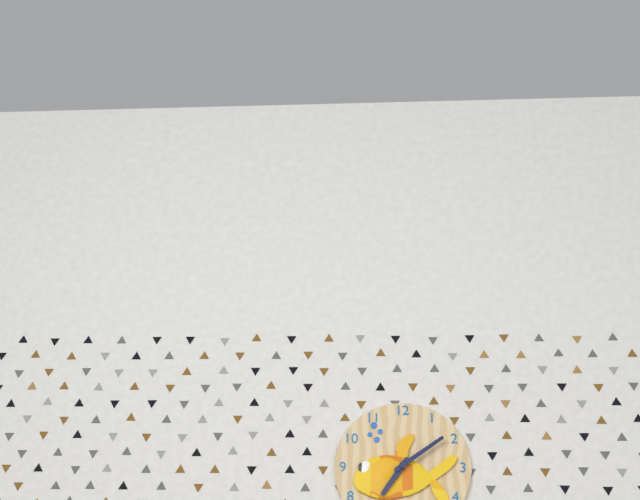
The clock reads 7:09
